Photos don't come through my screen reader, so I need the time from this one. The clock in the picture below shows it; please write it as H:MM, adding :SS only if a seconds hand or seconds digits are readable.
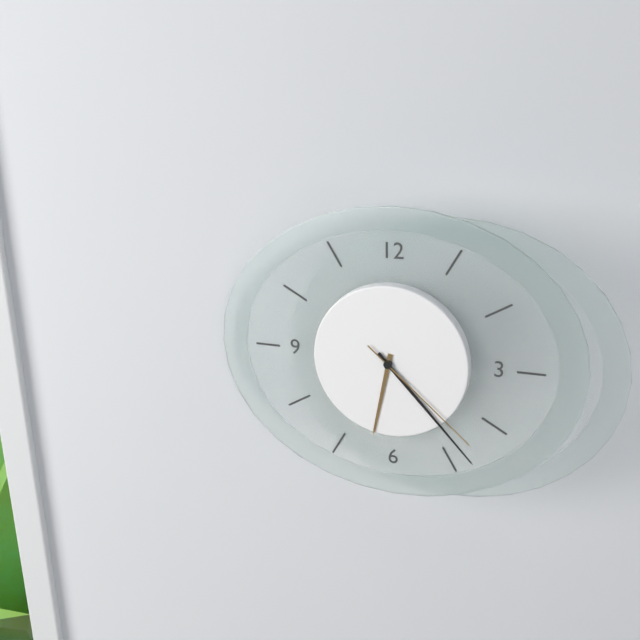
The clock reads 6:23:22
